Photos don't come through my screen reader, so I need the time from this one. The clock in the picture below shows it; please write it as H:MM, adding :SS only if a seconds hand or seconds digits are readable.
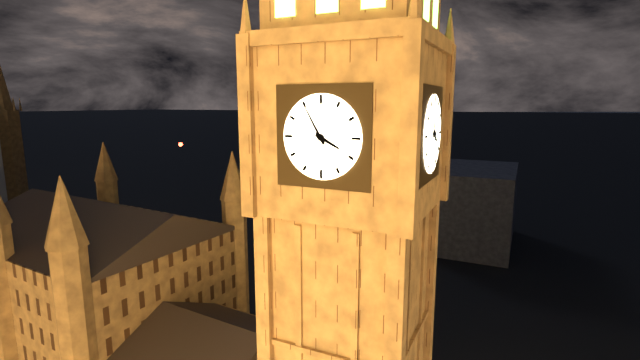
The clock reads 3:55
